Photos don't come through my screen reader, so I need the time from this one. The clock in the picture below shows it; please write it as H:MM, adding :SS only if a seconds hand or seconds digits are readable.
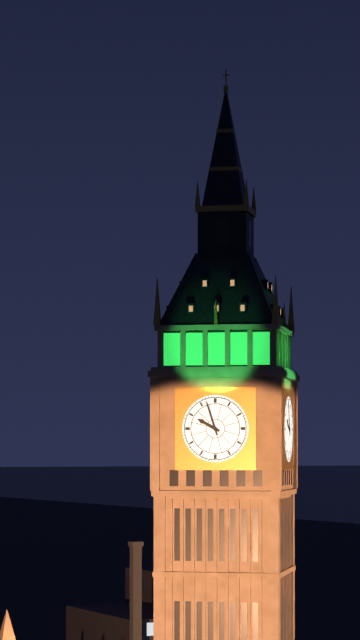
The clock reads 9:57
